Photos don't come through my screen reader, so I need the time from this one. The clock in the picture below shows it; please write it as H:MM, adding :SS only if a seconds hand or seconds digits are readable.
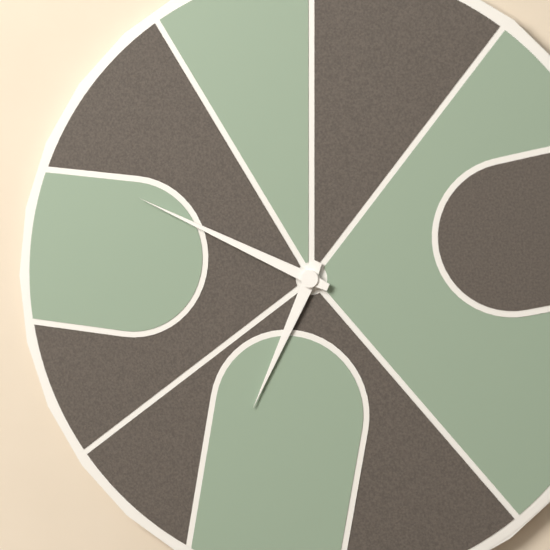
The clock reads 6:49
